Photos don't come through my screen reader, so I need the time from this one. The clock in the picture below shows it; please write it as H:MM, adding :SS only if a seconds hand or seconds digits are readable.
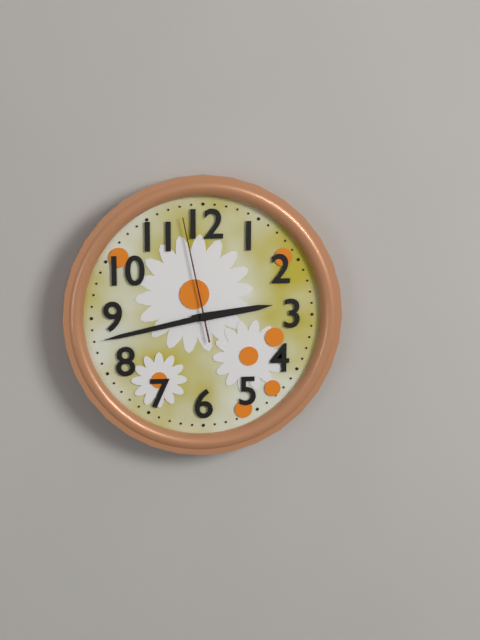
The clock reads 2:43:58
